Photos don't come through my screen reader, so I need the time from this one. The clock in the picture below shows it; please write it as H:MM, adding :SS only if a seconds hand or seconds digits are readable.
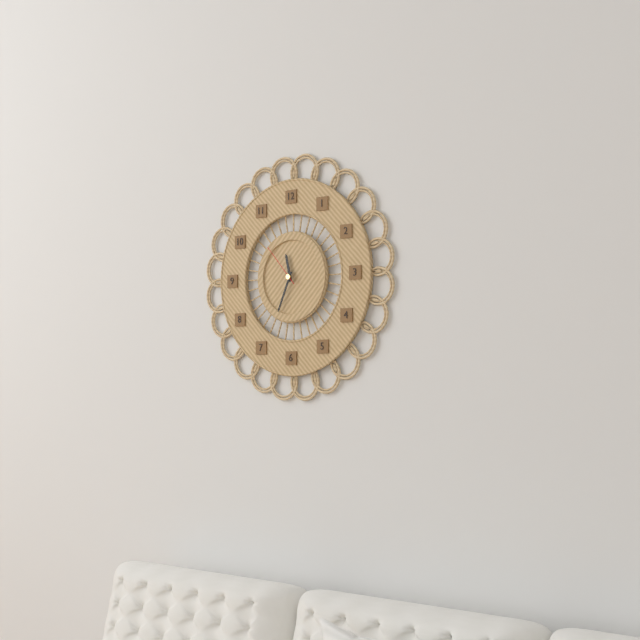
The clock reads 11:34
